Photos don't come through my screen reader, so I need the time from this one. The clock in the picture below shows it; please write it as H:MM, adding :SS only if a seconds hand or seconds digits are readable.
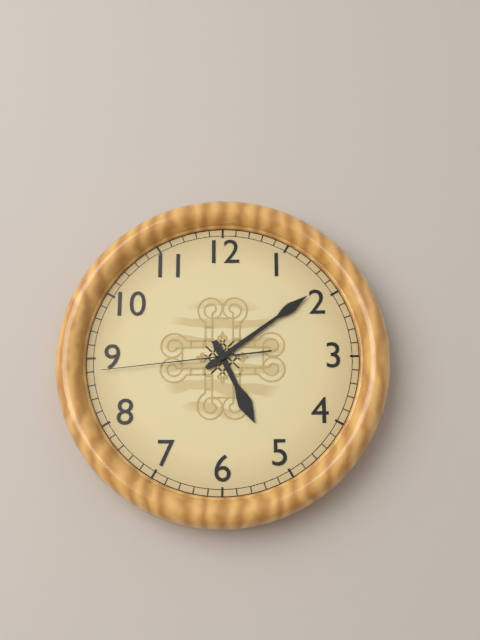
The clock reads 5:09:44
